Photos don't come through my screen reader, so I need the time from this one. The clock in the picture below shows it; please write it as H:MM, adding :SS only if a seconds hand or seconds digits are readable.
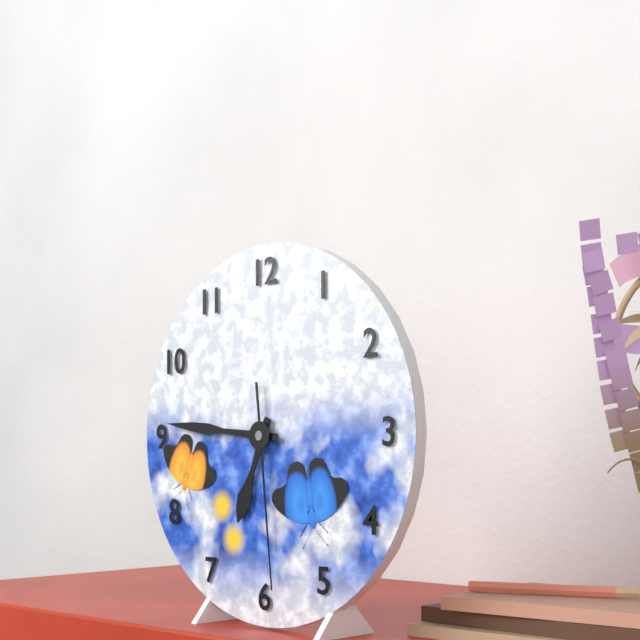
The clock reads 6:46:29
